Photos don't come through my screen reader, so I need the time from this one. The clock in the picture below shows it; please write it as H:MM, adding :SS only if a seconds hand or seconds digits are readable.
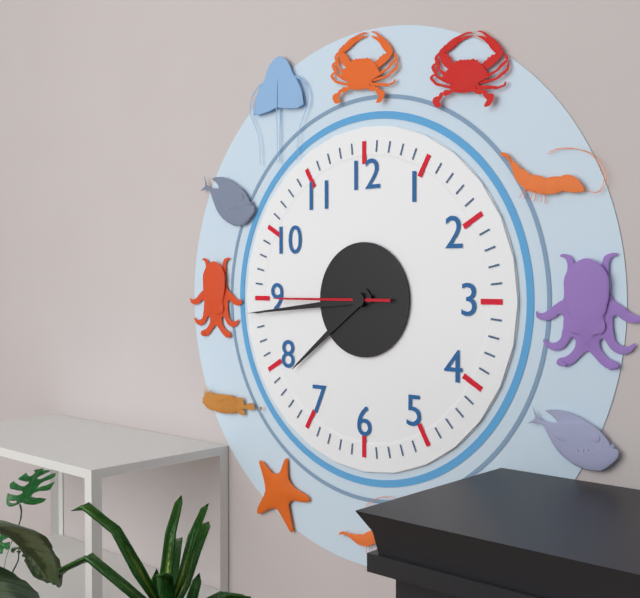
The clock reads 7:44:45
